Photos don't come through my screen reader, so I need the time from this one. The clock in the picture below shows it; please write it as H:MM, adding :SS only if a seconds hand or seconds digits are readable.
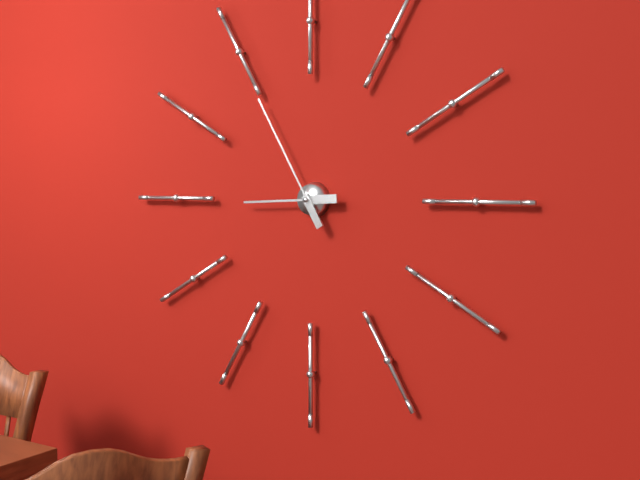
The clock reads 8:55
